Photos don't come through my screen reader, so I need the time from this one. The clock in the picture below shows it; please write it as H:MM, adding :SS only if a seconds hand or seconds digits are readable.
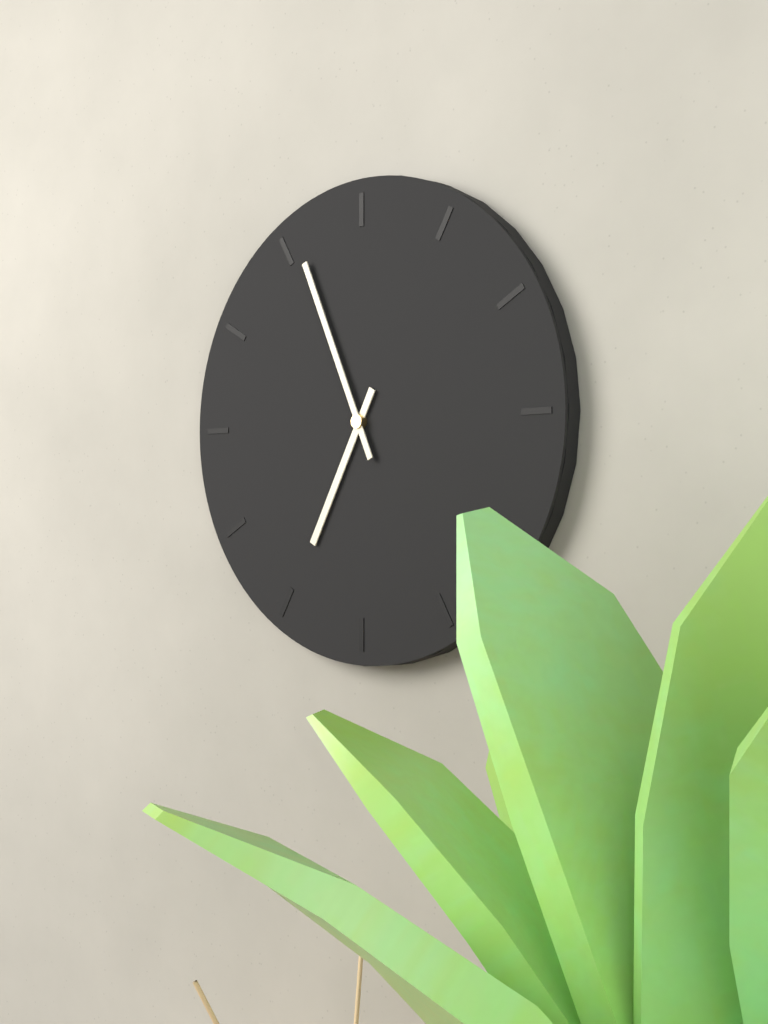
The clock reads 6:56
